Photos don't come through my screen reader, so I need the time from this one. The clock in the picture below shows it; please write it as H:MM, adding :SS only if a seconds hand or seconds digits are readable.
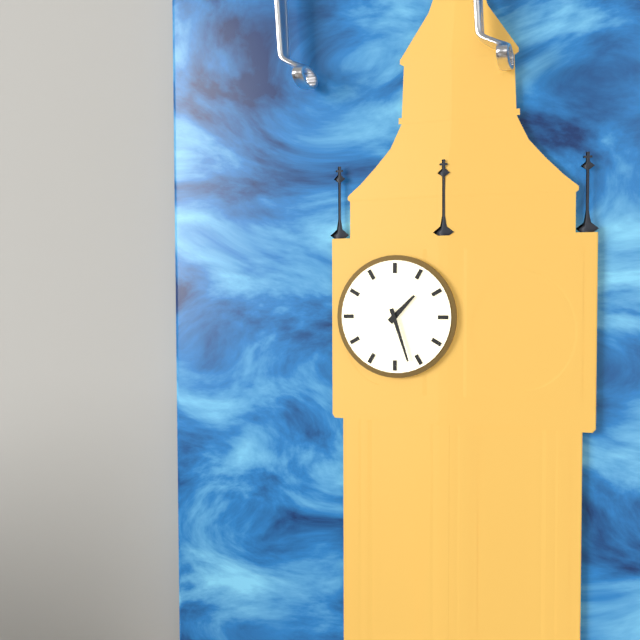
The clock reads 1:27
